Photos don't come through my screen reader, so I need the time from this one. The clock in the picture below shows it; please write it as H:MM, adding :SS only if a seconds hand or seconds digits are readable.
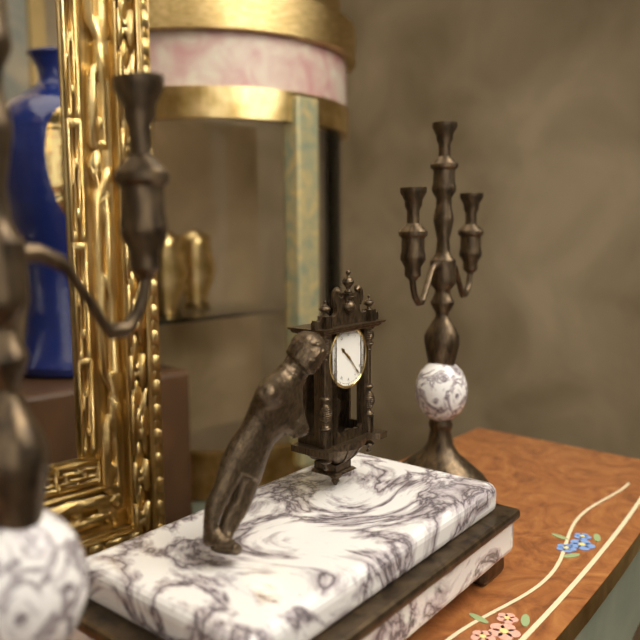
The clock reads 10:23
